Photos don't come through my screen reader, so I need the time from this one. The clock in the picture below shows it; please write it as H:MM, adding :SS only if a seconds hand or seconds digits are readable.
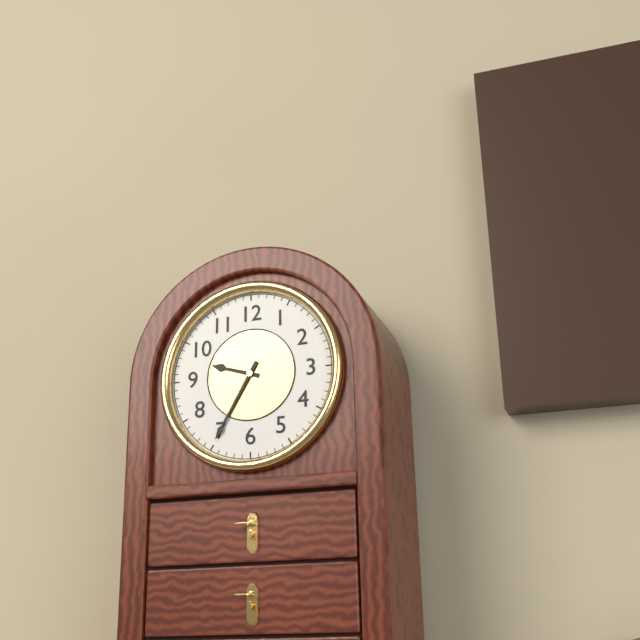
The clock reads 9:35
